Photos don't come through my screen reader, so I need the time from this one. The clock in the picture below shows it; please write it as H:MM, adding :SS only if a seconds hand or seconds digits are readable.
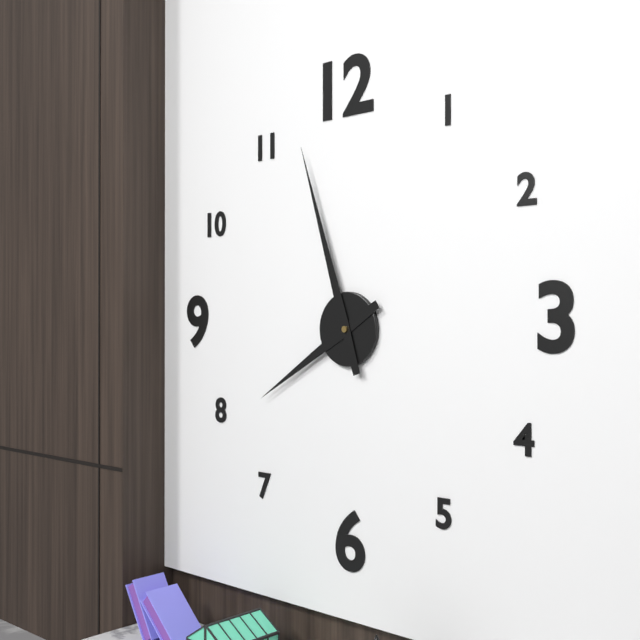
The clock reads 7:57
